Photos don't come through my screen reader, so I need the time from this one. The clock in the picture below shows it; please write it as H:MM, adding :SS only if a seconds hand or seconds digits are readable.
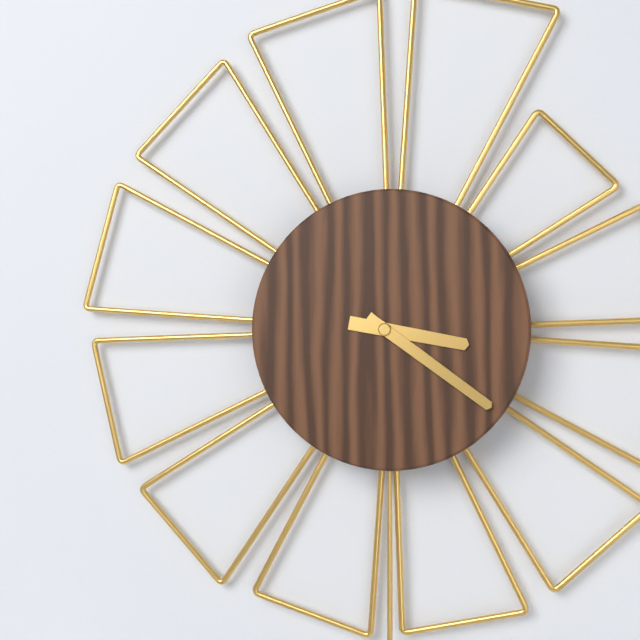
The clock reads 3:21
